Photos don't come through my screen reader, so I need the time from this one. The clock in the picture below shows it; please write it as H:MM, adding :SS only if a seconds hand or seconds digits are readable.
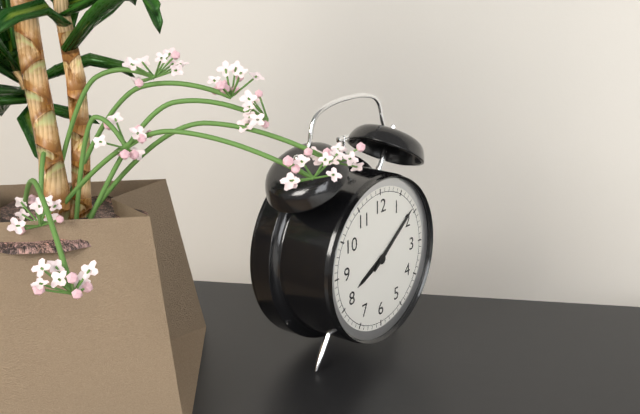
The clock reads 8:09
